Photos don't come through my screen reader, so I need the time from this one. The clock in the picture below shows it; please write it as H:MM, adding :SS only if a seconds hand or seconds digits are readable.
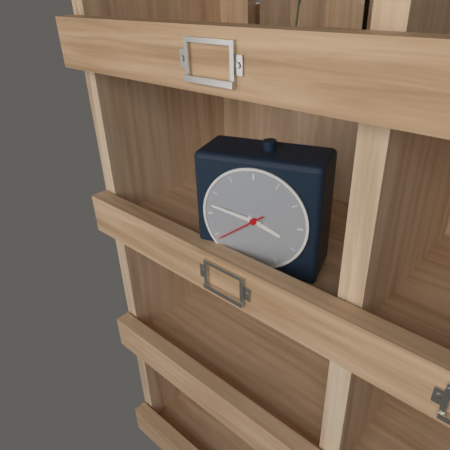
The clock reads 3:47
